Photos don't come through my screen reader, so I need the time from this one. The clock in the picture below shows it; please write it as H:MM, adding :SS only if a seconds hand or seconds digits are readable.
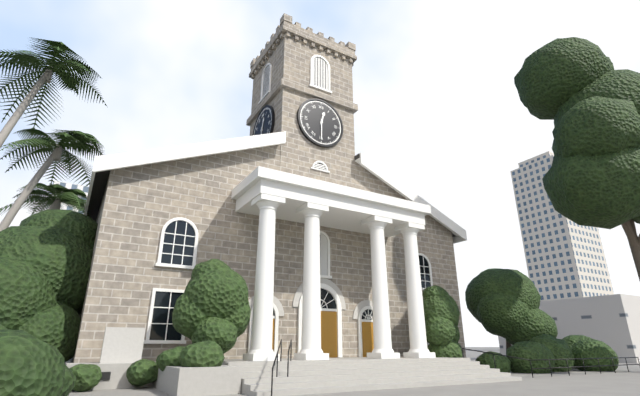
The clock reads 12:30
